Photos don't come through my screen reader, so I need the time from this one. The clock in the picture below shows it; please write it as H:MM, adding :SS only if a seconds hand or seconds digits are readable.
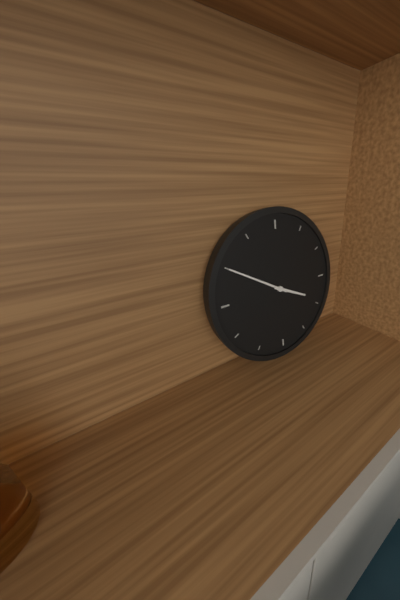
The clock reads 3:50
